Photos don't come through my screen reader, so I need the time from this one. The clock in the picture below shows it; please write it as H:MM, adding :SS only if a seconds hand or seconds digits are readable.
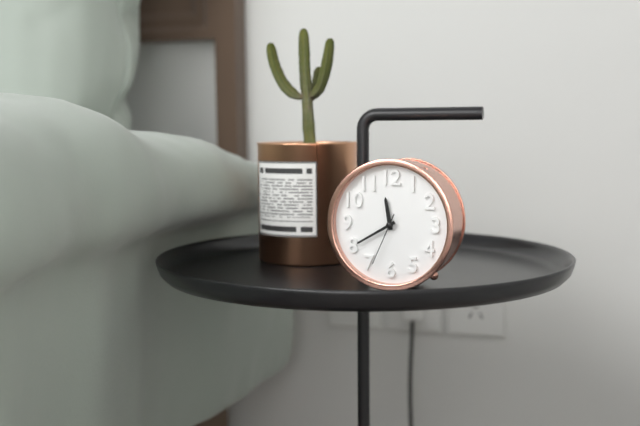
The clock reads 11:40:34
